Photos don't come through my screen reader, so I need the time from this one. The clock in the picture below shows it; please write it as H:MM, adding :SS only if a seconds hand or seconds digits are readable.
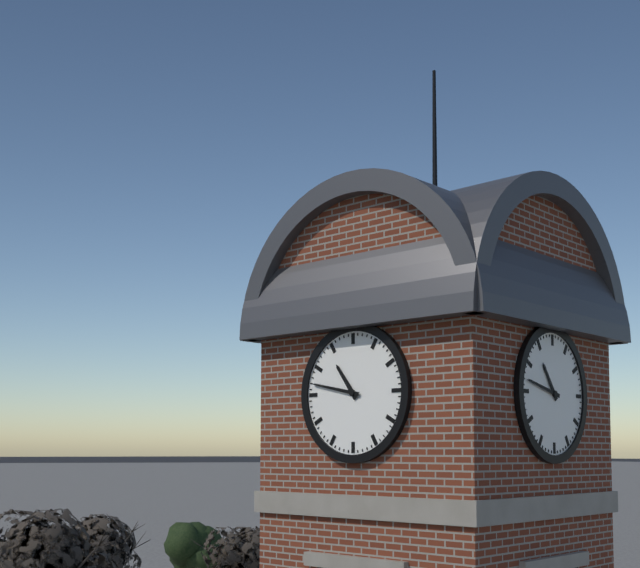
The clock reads 10:47
